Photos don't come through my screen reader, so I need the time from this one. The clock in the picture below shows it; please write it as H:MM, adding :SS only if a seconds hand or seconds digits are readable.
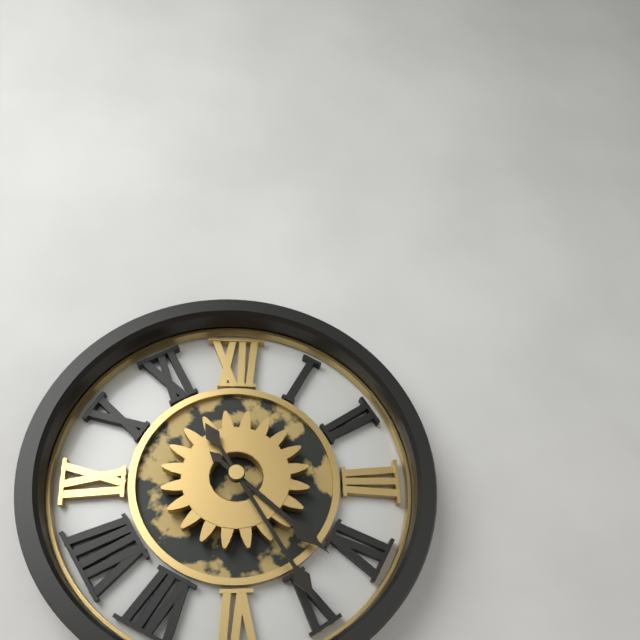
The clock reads 4:25
